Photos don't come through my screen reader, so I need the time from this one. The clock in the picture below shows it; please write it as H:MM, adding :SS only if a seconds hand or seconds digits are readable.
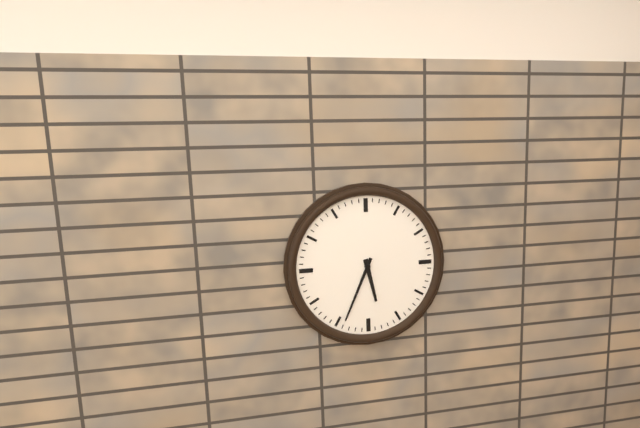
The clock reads 5:34
